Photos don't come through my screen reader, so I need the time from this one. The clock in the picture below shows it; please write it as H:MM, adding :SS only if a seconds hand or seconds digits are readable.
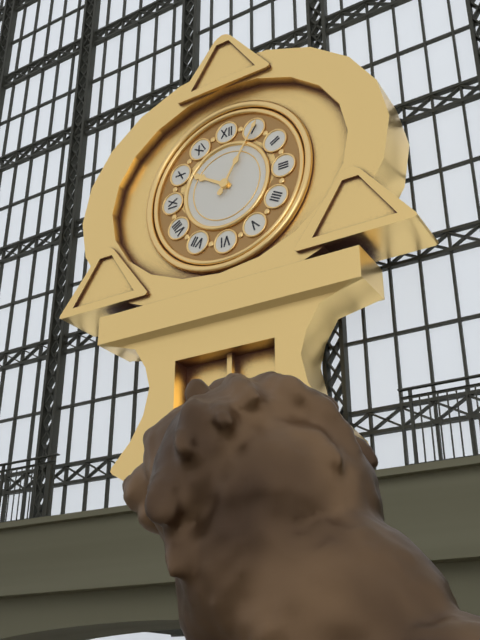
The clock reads 10:05
